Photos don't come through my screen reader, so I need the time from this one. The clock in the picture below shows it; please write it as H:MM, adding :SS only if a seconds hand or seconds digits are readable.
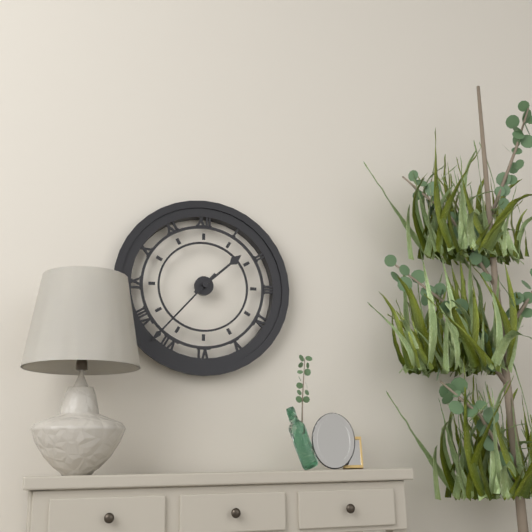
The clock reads 1:37
